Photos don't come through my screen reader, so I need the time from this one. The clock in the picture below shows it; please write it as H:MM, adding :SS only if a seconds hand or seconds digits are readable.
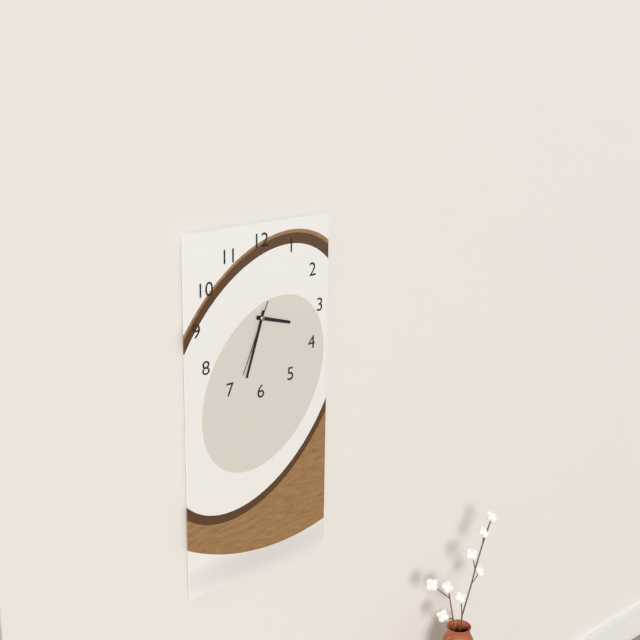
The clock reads 3:33:34
